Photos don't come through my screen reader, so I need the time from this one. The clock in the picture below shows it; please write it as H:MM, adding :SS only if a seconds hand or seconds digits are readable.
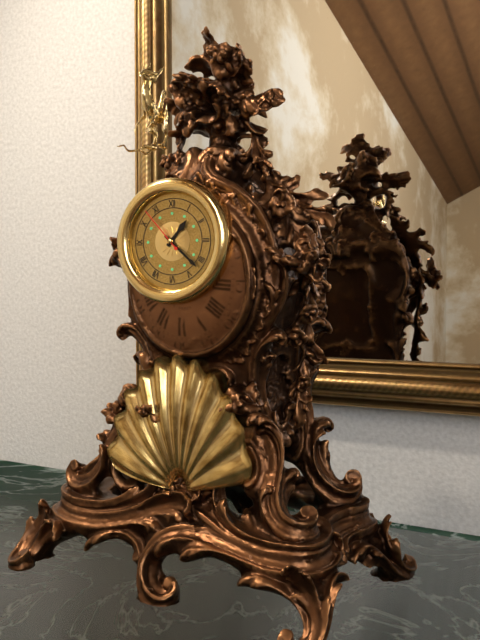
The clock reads 1:22:53
